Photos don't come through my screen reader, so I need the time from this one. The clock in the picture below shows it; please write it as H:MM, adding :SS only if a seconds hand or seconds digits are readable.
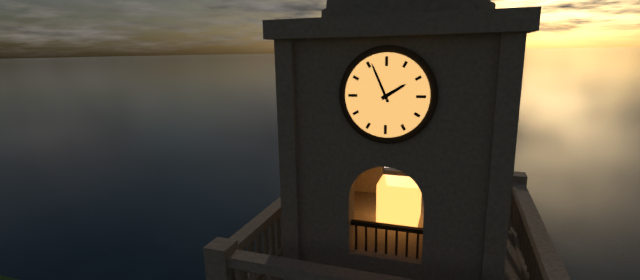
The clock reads 1:56
